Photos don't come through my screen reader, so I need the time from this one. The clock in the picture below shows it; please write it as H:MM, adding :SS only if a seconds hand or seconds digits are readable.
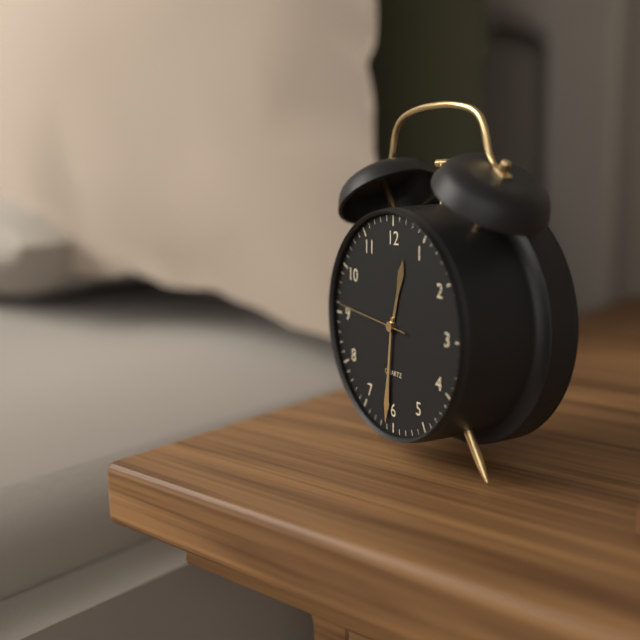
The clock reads 12:31:46
